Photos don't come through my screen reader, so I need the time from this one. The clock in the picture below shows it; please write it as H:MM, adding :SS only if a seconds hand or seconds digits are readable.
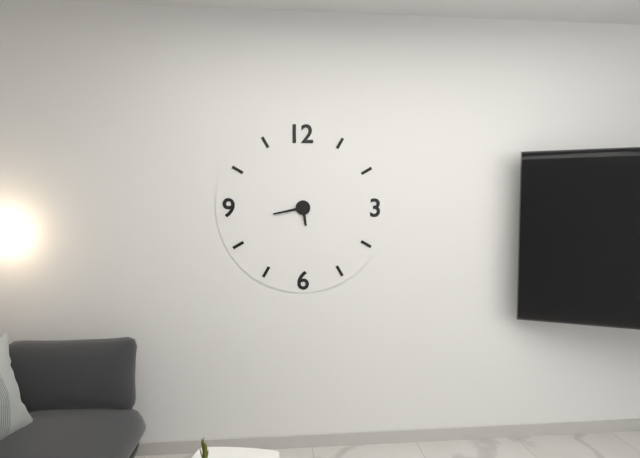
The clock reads 5:43
